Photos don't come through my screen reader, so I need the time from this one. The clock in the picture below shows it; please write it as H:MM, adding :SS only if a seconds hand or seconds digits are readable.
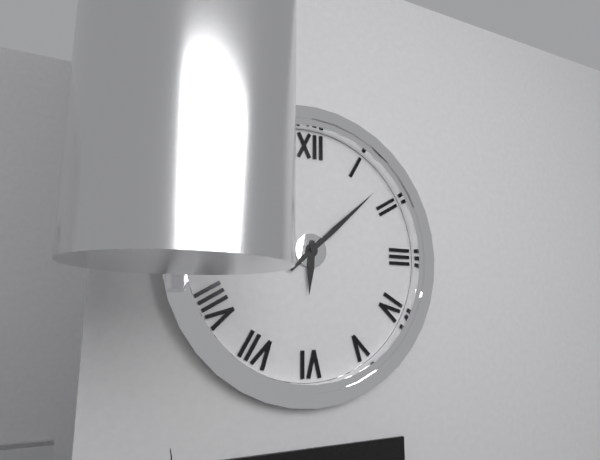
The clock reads 6:08
